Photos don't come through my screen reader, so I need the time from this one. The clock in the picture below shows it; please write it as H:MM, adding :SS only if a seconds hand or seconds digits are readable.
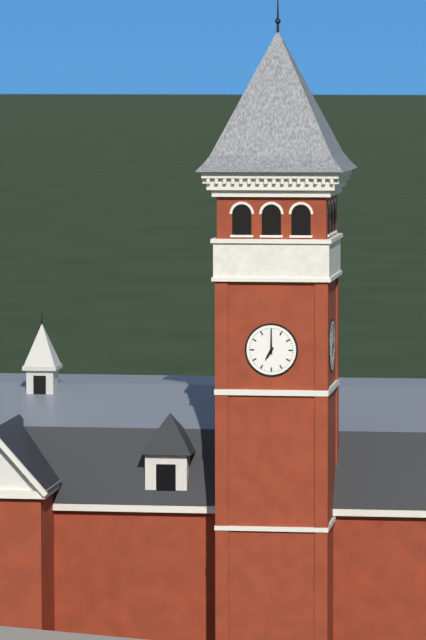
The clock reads 7:00
